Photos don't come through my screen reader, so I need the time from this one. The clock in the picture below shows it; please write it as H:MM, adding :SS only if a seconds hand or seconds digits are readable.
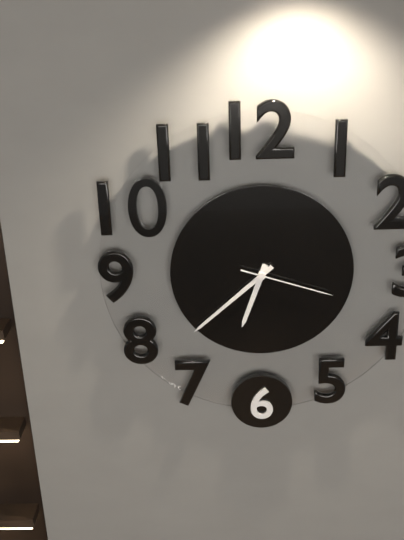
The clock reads 6:38:18
